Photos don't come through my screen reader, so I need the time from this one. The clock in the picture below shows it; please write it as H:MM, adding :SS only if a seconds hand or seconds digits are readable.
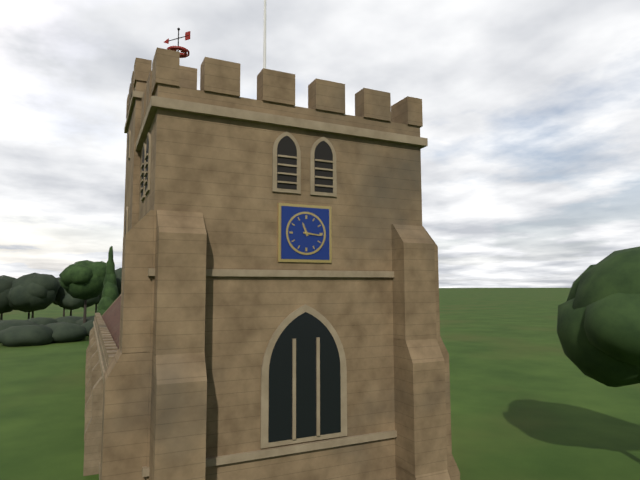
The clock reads 11:16
